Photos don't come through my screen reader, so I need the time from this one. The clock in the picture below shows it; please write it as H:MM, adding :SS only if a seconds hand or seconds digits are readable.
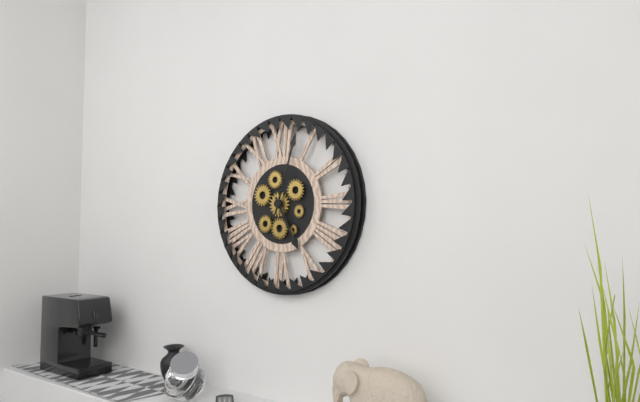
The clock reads 5:03
